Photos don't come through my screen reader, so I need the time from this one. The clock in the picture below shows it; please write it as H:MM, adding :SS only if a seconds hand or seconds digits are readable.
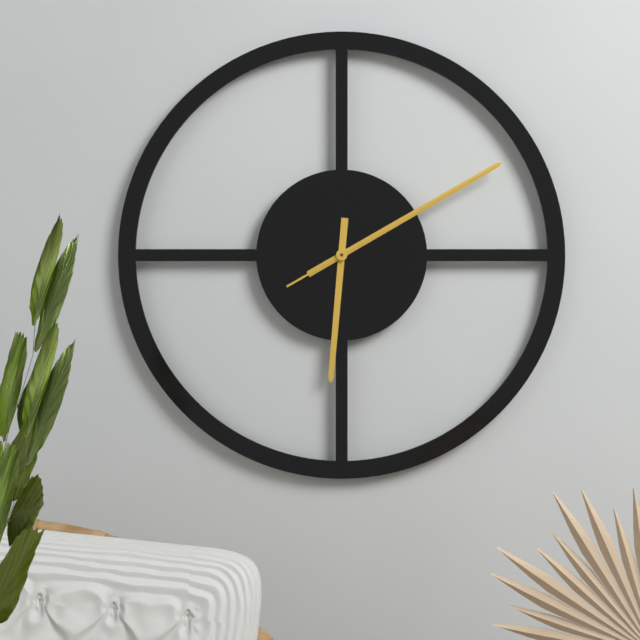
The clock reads 6:10:10
